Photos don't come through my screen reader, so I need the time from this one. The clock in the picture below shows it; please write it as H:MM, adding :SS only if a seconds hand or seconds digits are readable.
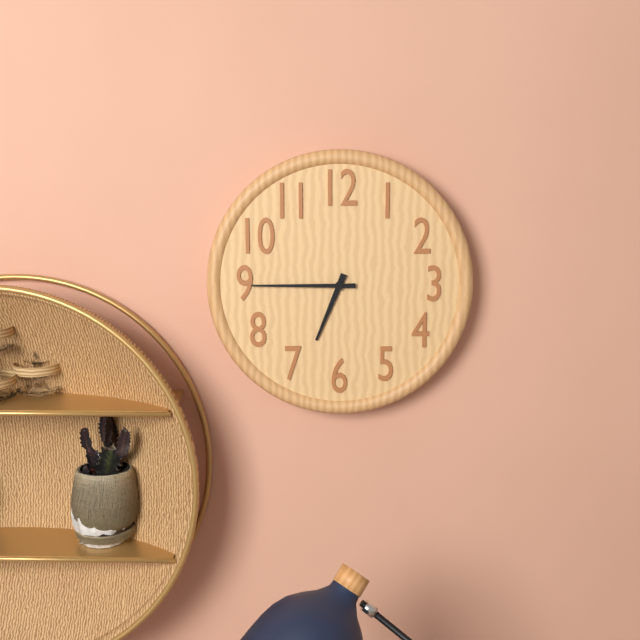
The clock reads 6:45
